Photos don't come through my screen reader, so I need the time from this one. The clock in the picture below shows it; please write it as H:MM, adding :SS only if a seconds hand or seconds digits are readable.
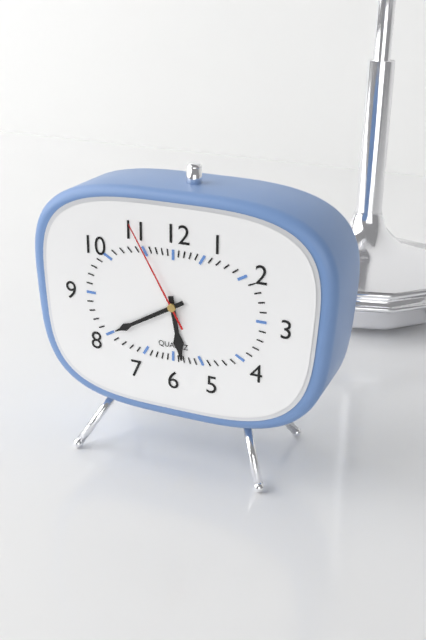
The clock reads 5:40:55
